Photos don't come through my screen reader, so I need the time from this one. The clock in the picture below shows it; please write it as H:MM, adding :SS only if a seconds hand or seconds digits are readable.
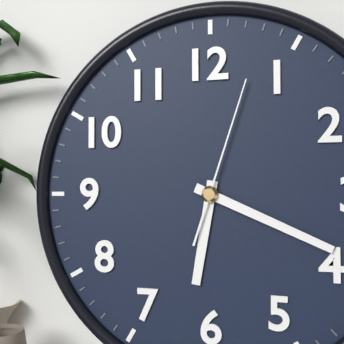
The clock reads 6:19:03
